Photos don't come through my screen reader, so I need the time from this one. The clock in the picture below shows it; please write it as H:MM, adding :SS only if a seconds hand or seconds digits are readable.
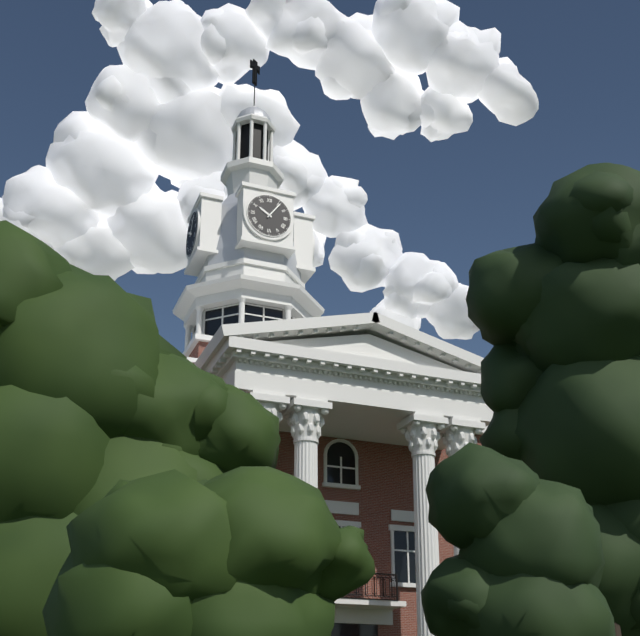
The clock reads 10:06
